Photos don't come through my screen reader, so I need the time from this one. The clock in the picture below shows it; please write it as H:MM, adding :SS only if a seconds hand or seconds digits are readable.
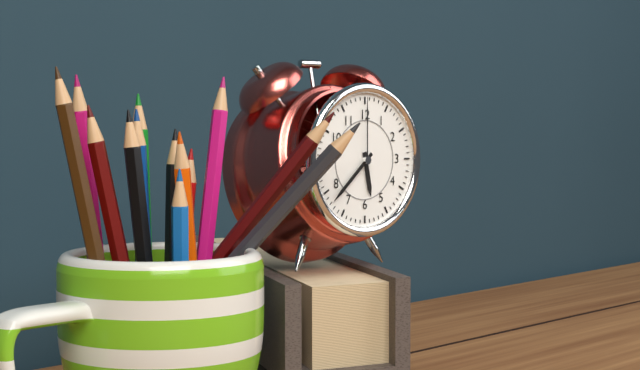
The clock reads 5:38:00
